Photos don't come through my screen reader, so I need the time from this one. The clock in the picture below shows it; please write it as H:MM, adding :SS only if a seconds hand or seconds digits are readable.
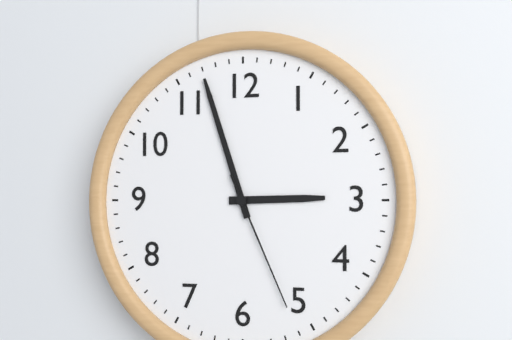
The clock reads 2:57:26
